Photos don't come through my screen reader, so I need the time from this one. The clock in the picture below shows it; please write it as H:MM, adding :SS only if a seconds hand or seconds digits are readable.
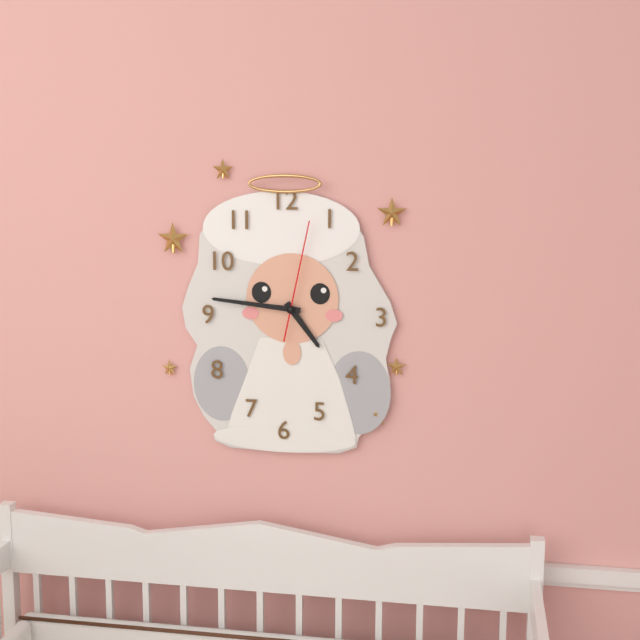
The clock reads 4:46:02
